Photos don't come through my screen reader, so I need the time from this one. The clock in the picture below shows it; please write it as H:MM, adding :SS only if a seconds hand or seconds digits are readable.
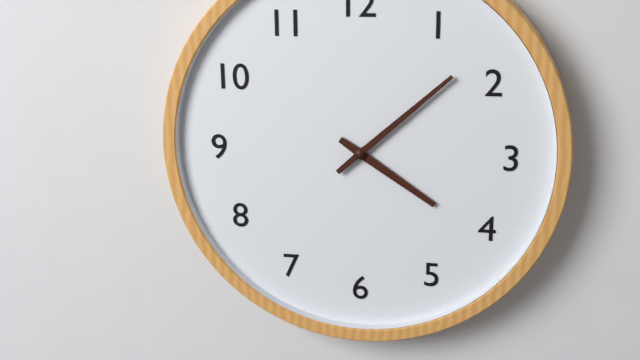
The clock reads 4:08
